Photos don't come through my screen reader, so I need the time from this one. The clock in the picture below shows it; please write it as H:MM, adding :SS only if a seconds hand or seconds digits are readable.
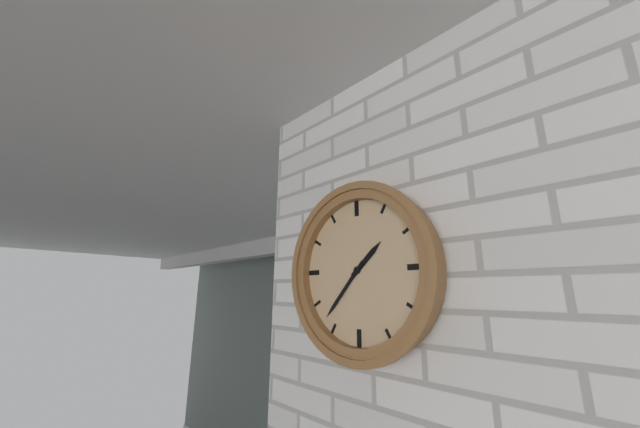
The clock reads 1:37
